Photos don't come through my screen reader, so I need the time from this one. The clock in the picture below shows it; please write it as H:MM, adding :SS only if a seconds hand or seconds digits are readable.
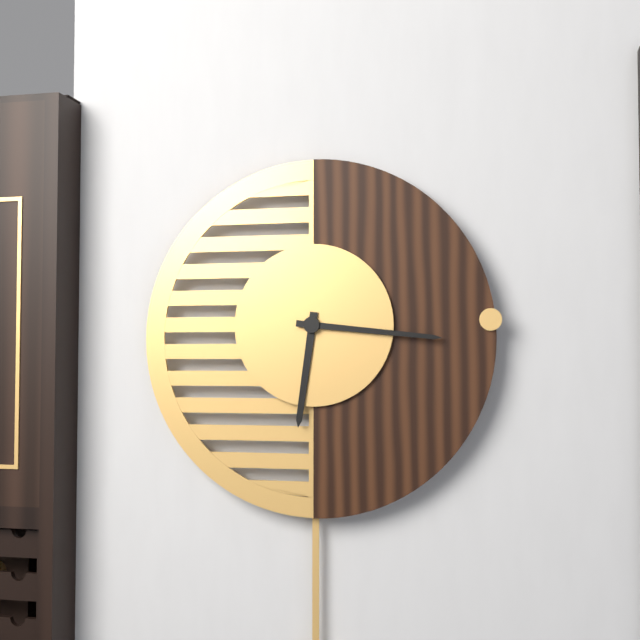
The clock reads 6:16
